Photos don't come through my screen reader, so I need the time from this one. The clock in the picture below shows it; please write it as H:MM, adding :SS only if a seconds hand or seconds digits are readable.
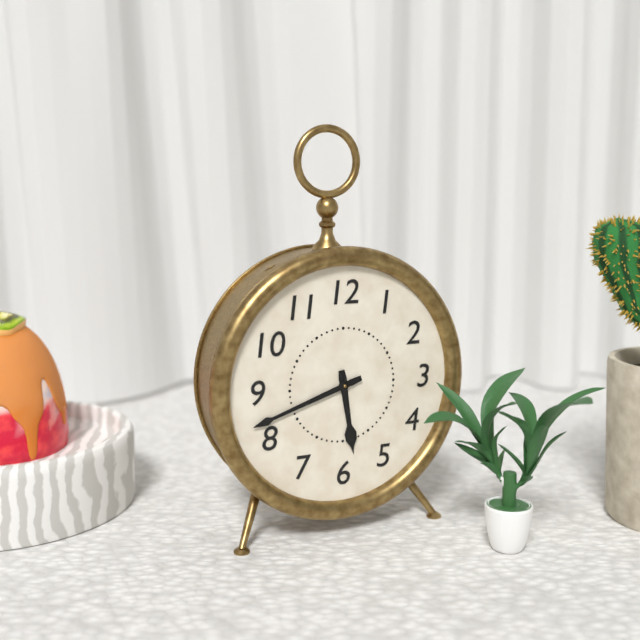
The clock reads 5:42
